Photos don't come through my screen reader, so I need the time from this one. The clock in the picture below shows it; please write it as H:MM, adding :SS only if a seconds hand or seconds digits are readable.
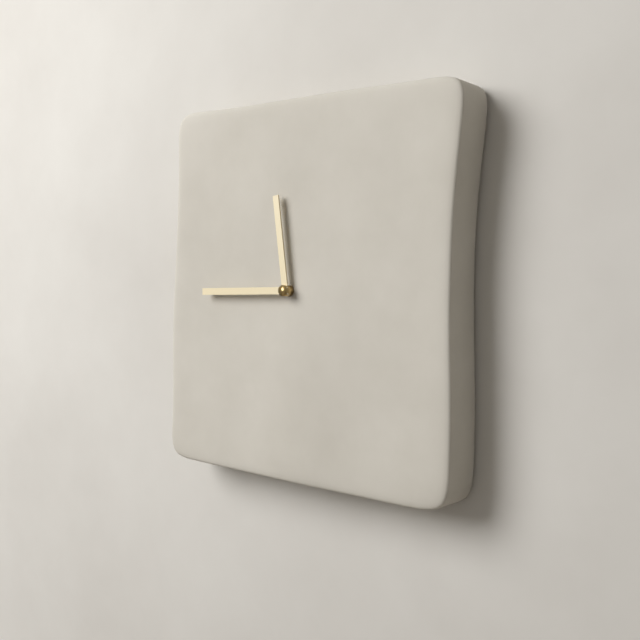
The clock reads 11:45
